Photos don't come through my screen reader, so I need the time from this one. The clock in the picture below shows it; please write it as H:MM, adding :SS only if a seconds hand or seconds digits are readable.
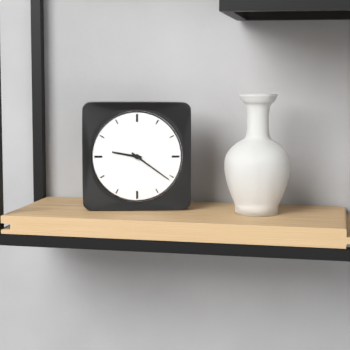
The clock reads 9:21
